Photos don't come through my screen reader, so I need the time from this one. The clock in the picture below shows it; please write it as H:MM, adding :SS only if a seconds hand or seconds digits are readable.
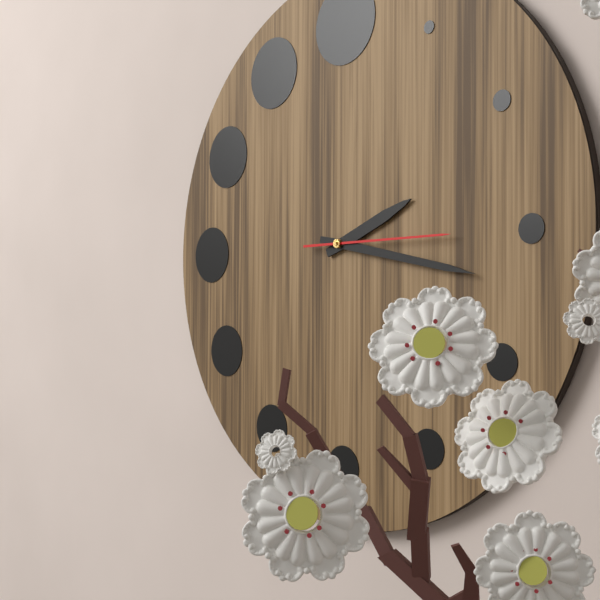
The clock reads 2:17:15
